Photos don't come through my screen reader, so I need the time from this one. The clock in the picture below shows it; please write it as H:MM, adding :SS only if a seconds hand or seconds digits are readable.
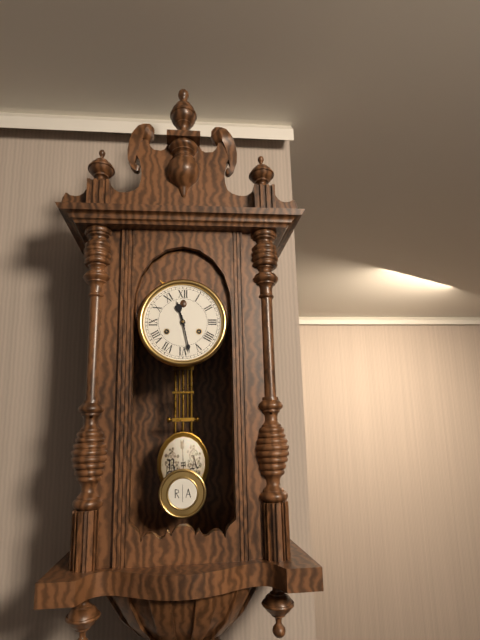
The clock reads 11:28
